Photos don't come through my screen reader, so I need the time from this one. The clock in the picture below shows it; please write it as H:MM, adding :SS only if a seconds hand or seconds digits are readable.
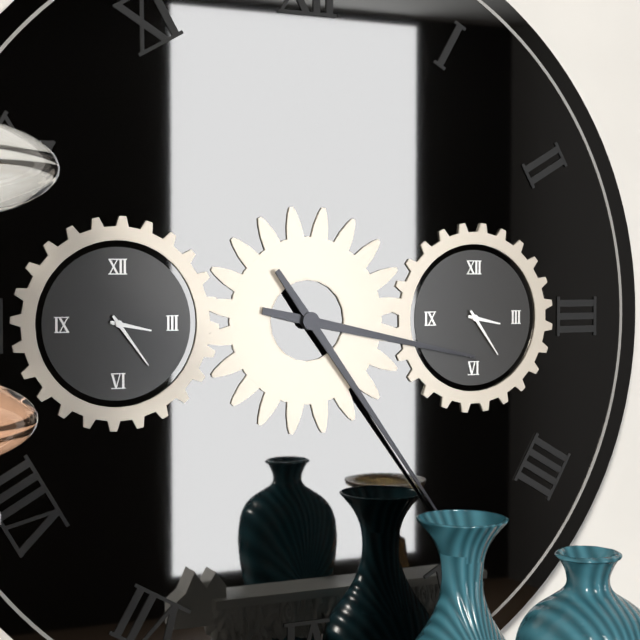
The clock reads 3:24
